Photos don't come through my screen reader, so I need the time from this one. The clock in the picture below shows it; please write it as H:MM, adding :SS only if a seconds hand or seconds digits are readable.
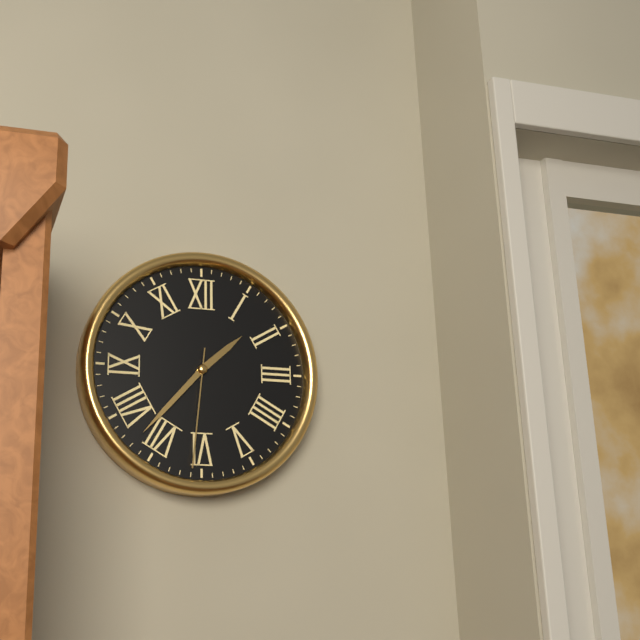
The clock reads 1:37:31
